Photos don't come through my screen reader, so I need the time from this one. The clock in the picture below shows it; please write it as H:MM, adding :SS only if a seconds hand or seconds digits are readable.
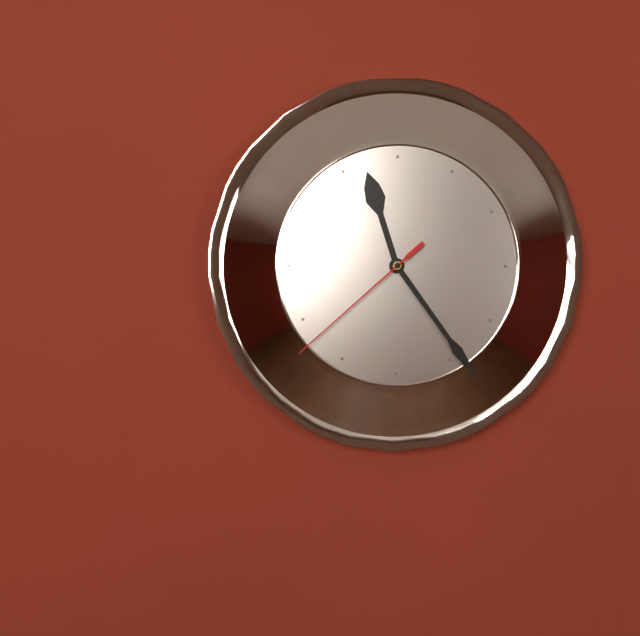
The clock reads 11:24:38
